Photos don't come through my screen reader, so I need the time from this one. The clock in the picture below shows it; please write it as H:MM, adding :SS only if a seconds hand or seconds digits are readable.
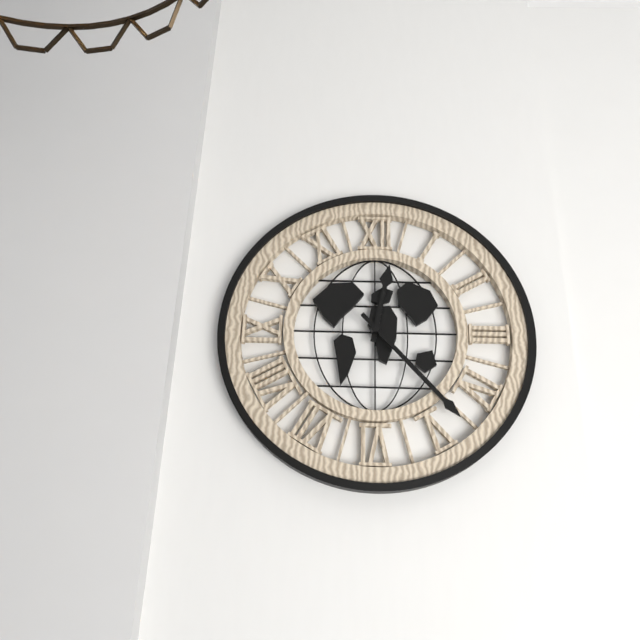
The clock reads 12:23
